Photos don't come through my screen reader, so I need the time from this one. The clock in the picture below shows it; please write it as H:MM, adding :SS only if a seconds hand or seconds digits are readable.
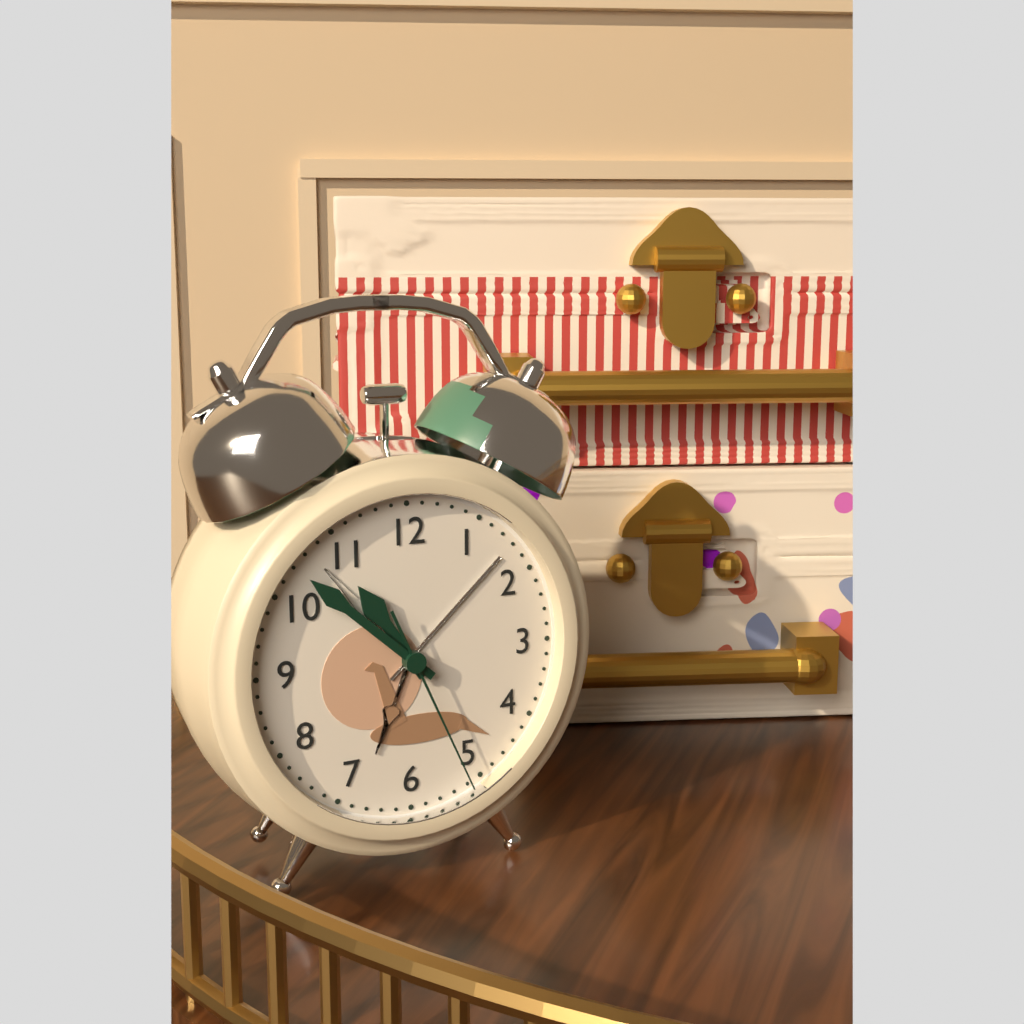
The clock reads 10:52:26
